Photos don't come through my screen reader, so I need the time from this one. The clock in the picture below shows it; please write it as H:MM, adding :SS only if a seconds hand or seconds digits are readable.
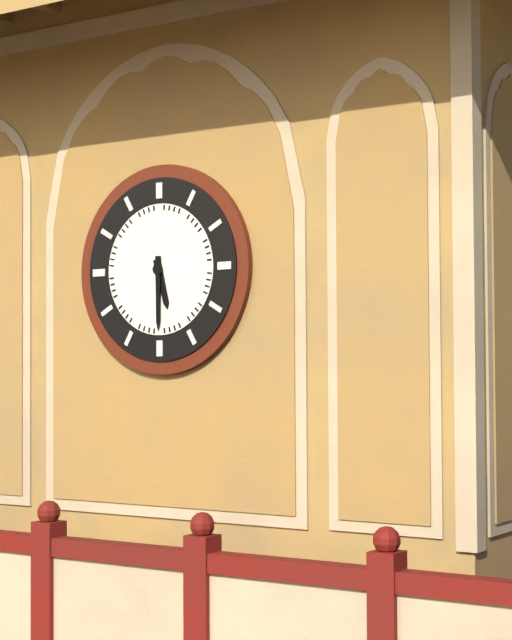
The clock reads 5:30
